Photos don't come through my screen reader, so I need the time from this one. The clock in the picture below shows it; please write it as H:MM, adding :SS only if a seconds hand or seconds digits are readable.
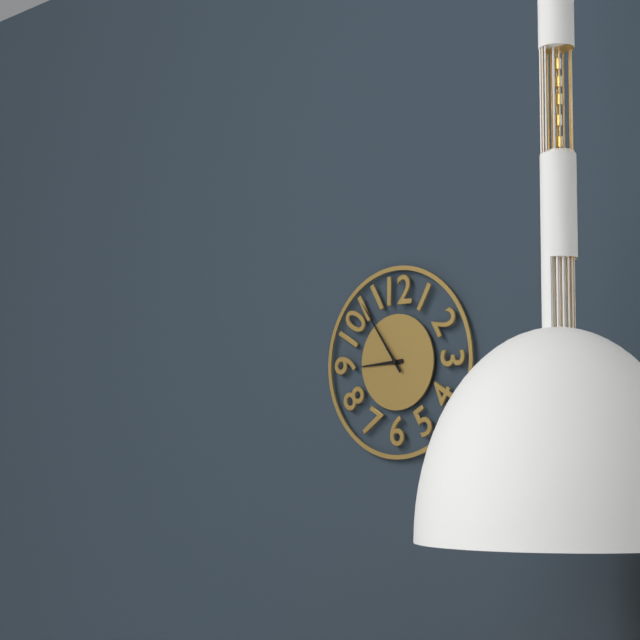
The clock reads 8:54
